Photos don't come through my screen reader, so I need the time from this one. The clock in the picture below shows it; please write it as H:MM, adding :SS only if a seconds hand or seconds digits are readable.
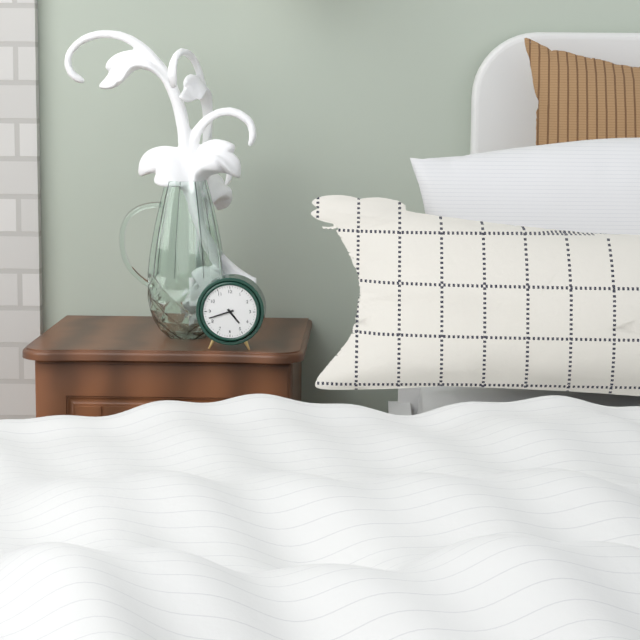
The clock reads 4:42
